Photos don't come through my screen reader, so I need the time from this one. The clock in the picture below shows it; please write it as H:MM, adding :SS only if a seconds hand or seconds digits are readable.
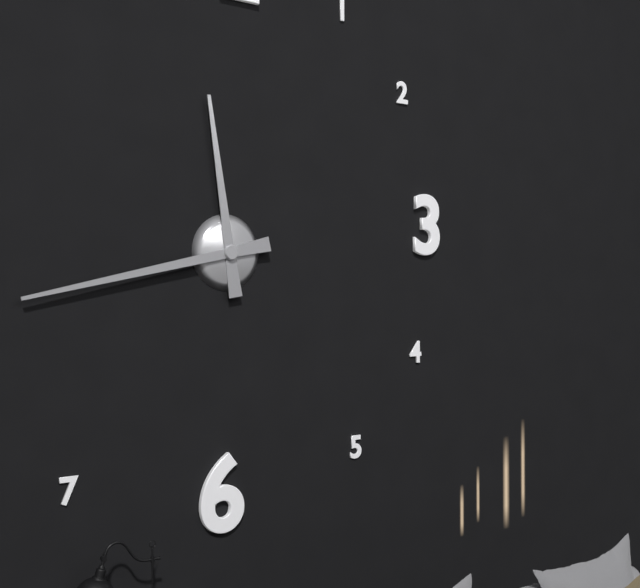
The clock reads 11:43
